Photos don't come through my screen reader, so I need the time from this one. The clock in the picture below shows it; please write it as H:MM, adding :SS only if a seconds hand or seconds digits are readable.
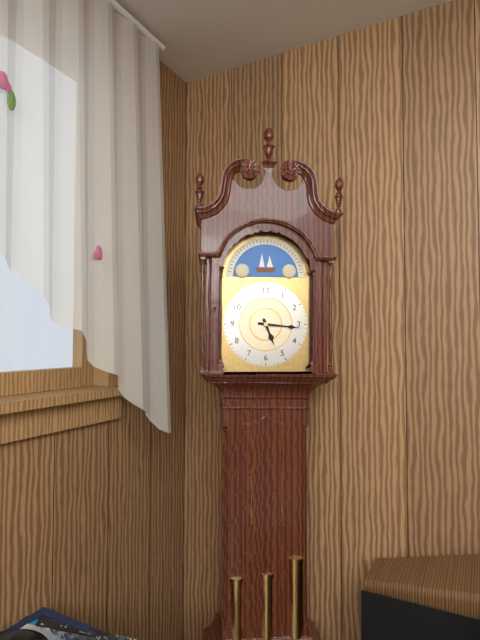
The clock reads 5:16
